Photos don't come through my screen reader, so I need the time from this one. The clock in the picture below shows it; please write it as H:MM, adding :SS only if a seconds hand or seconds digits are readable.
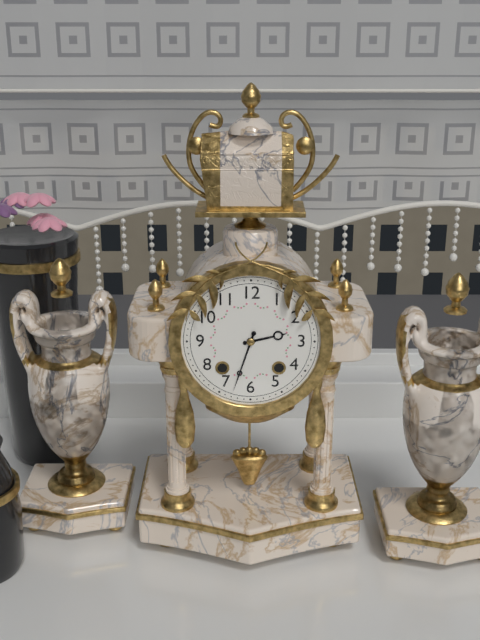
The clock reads 2:33
